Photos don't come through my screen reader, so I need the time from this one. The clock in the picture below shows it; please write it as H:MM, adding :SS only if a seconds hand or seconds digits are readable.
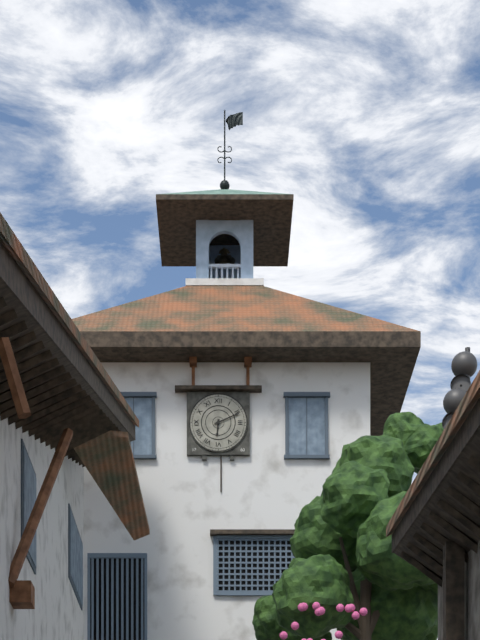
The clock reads 6:11
